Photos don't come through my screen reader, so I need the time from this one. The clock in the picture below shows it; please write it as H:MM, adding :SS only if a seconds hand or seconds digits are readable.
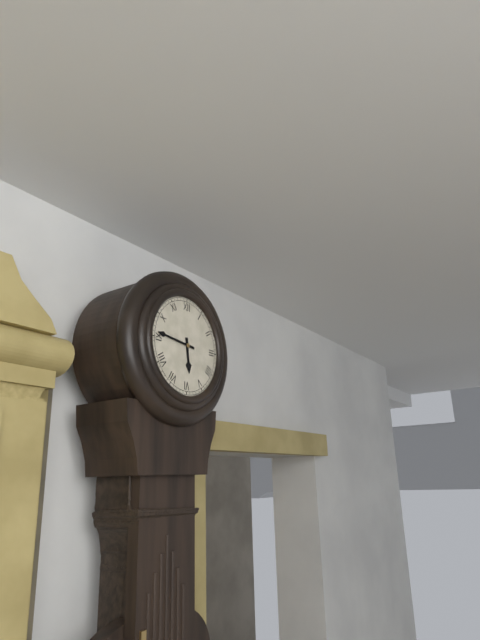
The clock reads 5:46
